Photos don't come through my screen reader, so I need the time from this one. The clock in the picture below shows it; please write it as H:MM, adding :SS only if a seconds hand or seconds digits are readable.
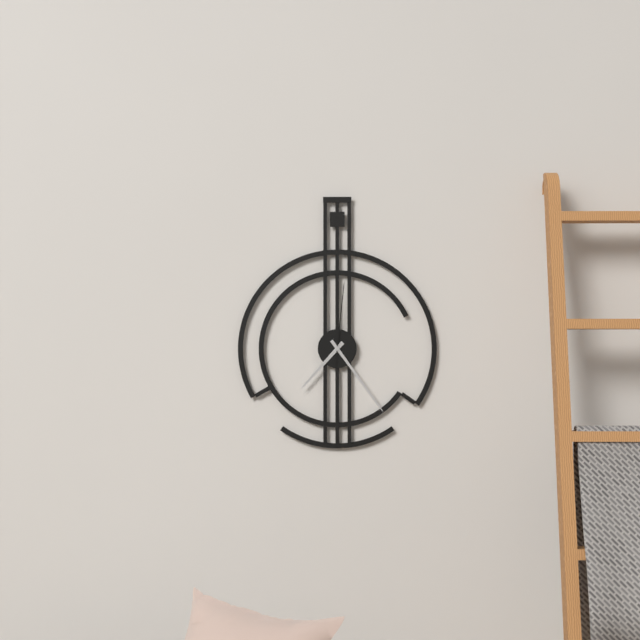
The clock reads 7:24:01
